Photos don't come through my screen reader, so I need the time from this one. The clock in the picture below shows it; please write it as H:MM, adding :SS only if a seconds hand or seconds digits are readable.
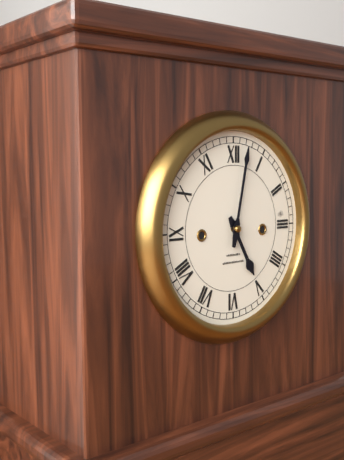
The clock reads 5:02
